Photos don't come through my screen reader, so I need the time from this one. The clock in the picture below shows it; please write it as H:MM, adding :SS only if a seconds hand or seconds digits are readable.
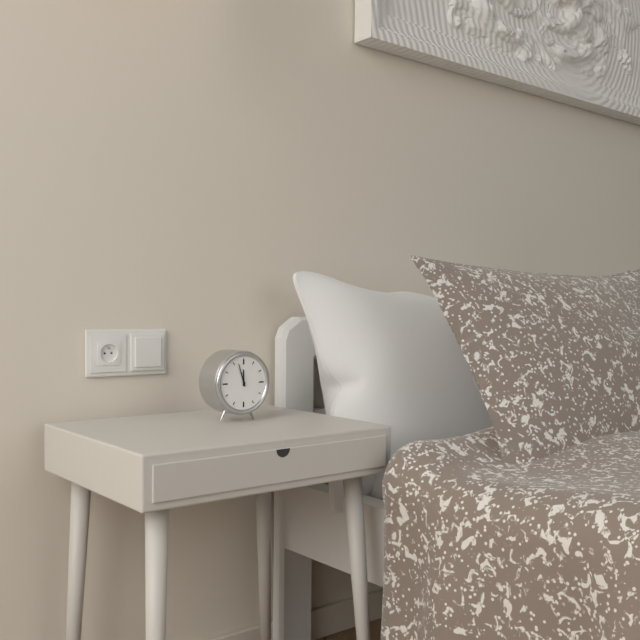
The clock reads 11:57
